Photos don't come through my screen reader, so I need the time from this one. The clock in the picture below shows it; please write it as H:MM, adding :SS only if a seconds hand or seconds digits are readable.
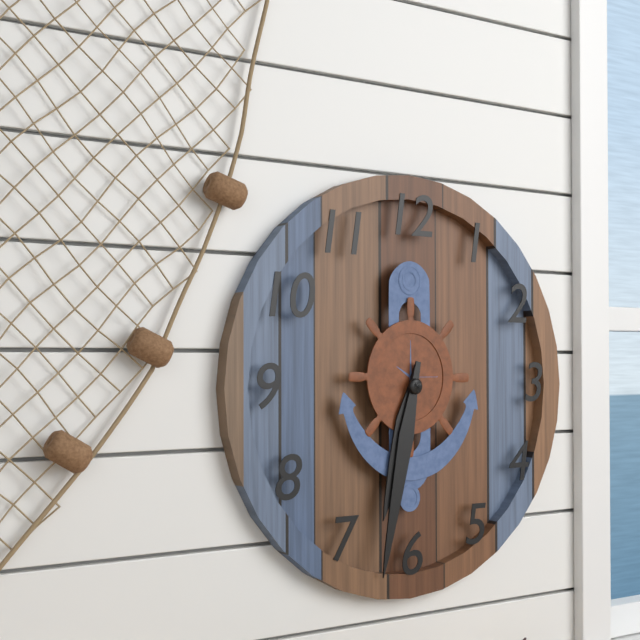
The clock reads 6:32
